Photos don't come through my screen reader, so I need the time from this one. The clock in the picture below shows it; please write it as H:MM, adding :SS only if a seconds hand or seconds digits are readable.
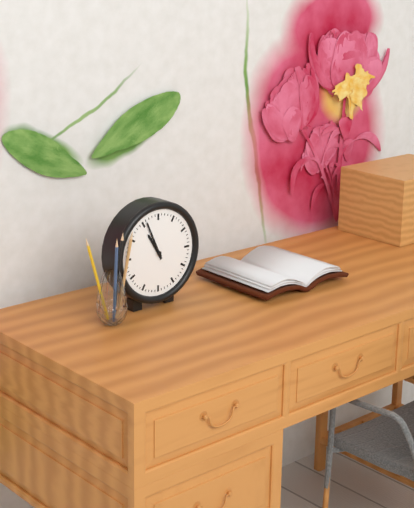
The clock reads 10:56
